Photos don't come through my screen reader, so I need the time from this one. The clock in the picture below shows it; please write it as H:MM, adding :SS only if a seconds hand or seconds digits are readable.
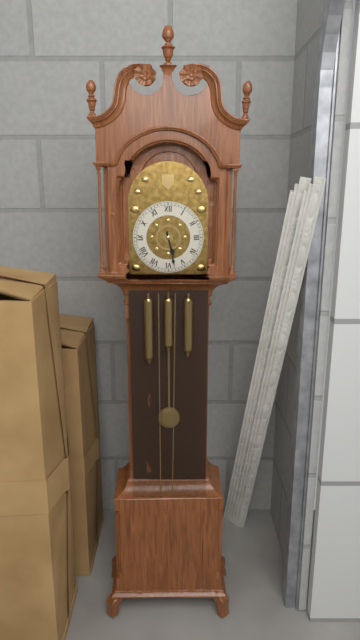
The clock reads 5:28
